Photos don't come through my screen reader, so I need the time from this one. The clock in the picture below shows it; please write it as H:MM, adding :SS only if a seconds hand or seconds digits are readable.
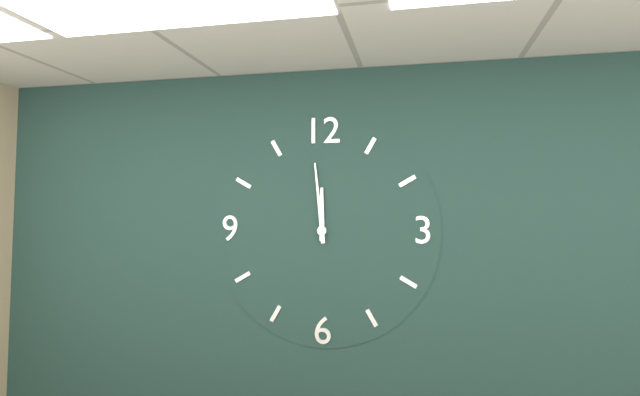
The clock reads 11:59
